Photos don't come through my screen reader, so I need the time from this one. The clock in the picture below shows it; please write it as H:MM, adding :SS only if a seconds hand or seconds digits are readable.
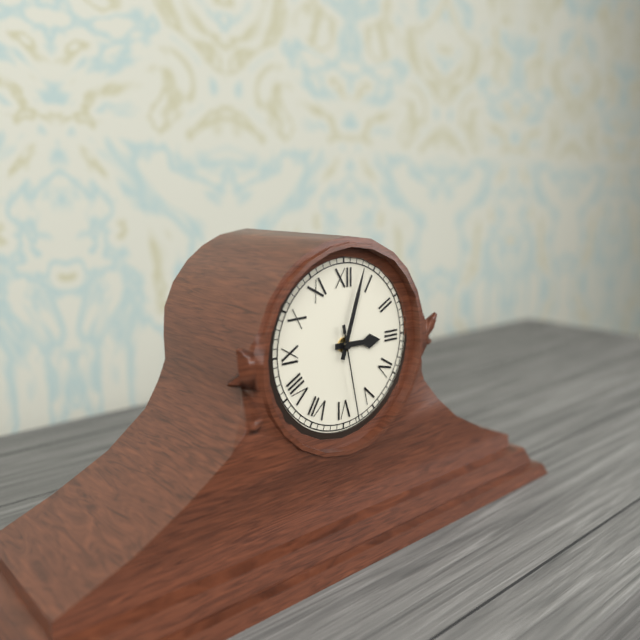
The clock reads 3:03:28
